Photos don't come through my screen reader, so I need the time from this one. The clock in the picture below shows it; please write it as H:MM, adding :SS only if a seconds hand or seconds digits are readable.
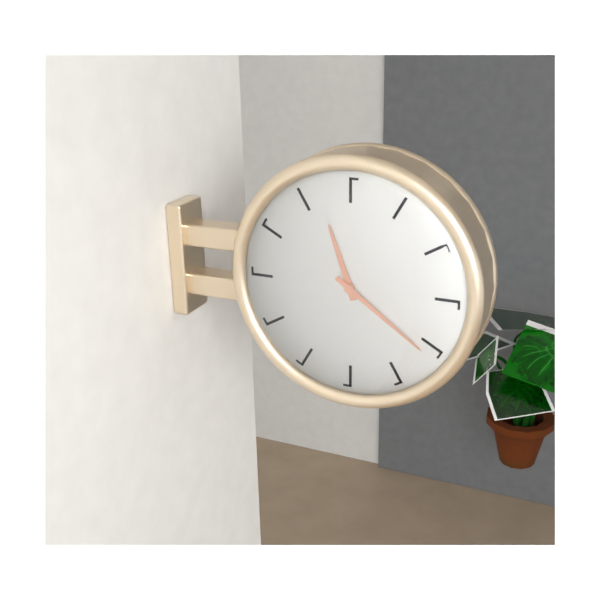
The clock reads 11:21
